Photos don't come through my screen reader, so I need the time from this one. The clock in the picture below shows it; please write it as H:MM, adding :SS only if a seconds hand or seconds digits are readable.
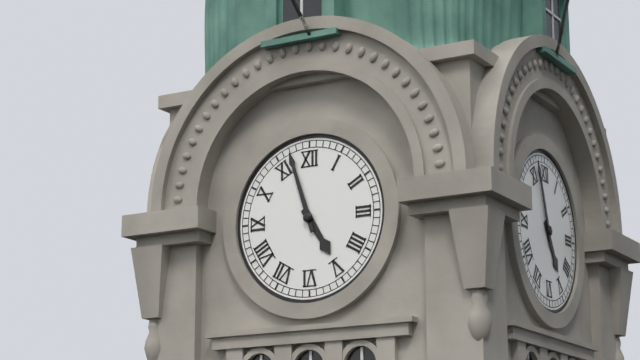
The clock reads 4:57
